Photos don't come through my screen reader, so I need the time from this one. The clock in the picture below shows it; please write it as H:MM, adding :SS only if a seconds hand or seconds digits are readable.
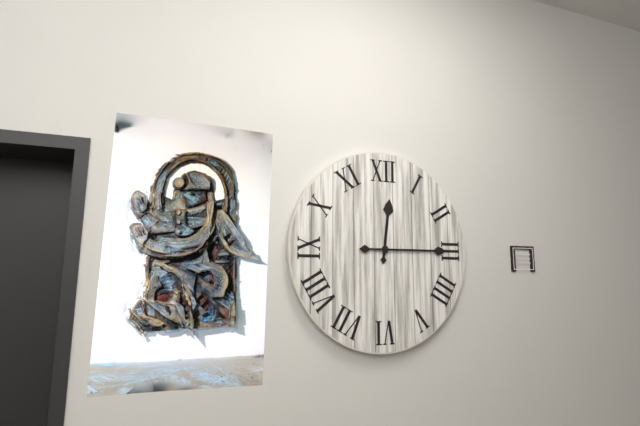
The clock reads 12:15
